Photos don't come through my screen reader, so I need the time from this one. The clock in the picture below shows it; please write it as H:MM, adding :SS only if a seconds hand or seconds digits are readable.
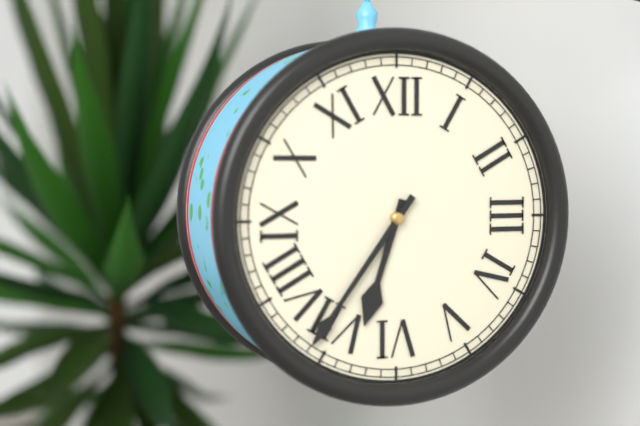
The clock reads 6:36
